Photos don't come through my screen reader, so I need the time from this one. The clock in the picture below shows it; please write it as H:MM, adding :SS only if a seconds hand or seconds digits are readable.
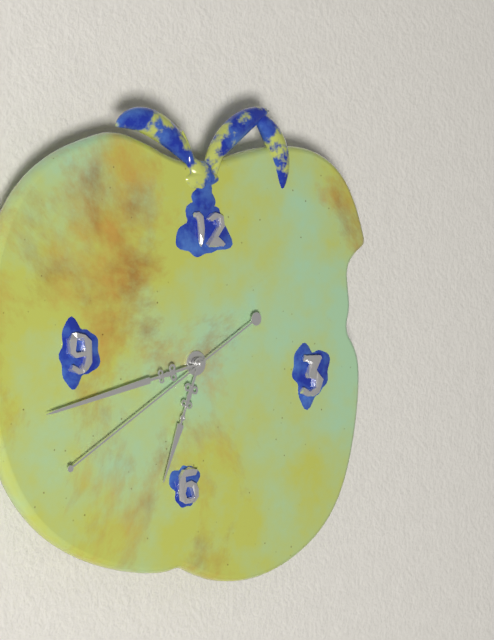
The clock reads 6:43:40
